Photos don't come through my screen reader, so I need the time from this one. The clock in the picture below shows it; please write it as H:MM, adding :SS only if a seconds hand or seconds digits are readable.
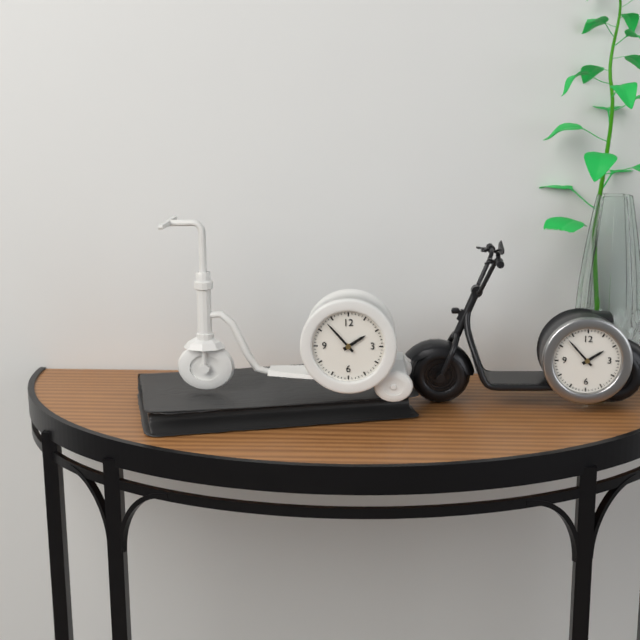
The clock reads 1:53
